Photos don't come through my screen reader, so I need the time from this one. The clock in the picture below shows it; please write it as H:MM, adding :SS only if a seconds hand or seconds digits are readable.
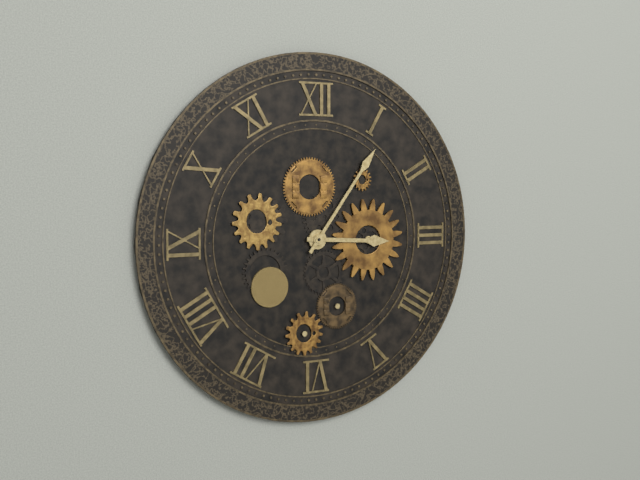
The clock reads 3:06
